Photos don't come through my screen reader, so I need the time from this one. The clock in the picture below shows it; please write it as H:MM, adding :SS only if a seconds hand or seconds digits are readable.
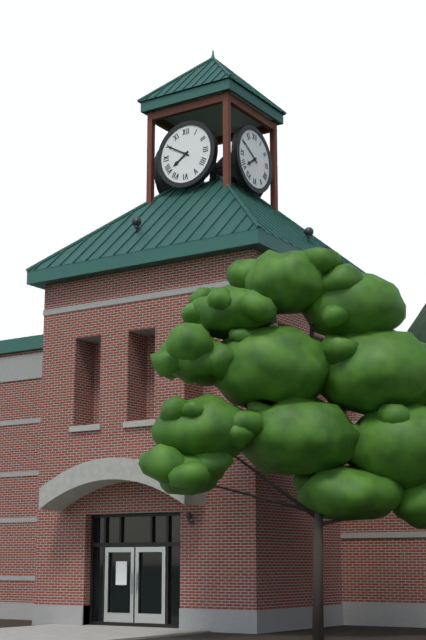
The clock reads 7:50
